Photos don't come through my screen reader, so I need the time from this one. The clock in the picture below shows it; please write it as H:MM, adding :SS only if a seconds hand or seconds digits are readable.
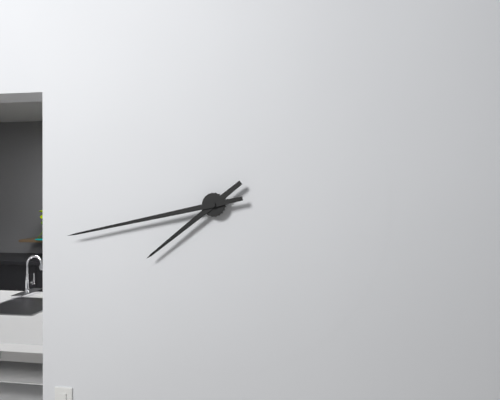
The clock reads 7:43
